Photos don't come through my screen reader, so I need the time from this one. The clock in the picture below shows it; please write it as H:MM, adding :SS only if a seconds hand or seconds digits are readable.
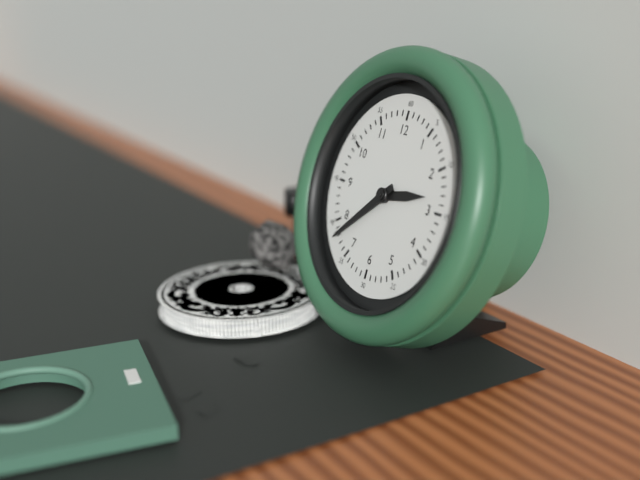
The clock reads 2:38
